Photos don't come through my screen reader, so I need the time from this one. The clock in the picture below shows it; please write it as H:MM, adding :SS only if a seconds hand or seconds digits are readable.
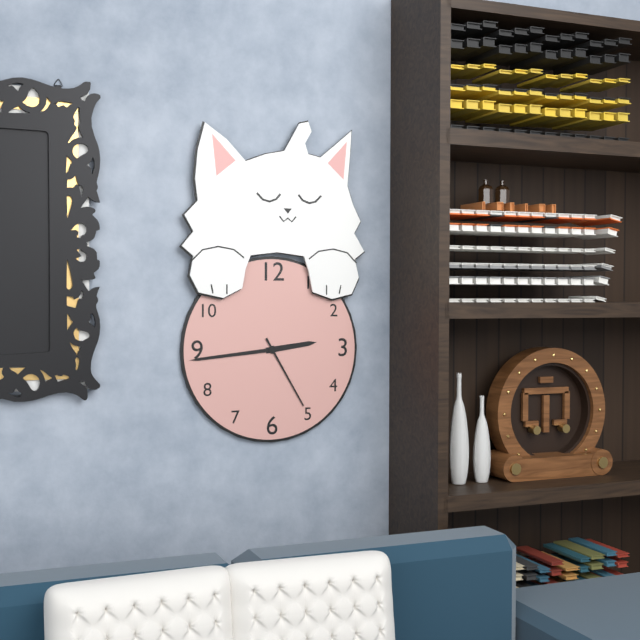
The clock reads 2:44:25
